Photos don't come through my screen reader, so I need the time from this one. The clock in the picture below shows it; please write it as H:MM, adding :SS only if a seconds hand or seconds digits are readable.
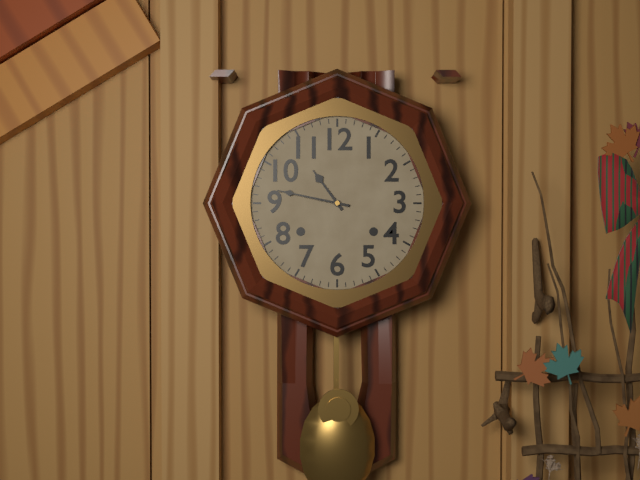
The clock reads 10:47
